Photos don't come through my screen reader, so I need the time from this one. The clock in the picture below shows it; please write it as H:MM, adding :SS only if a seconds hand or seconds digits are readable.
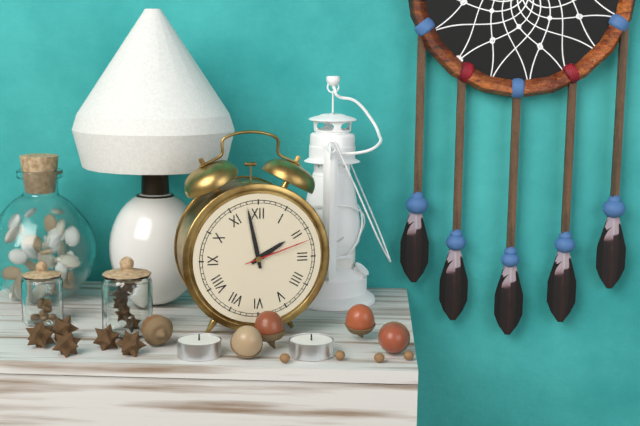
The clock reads 1:58:12
